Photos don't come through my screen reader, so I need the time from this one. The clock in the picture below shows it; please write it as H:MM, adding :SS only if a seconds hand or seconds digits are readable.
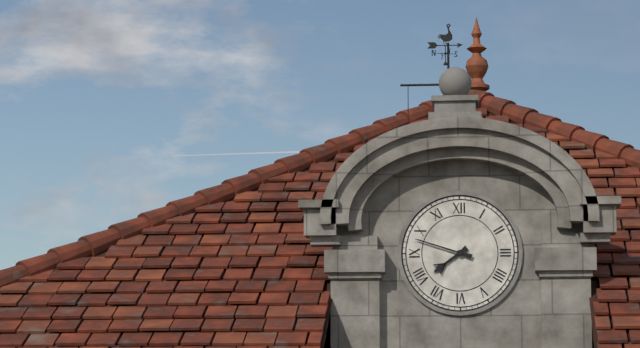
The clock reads 7:48
